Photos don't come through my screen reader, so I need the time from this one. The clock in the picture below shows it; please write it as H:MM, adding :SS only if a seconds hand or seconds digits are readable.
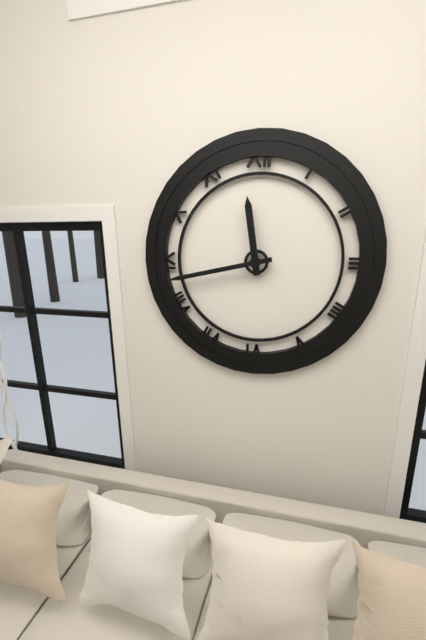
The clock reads 11:43
